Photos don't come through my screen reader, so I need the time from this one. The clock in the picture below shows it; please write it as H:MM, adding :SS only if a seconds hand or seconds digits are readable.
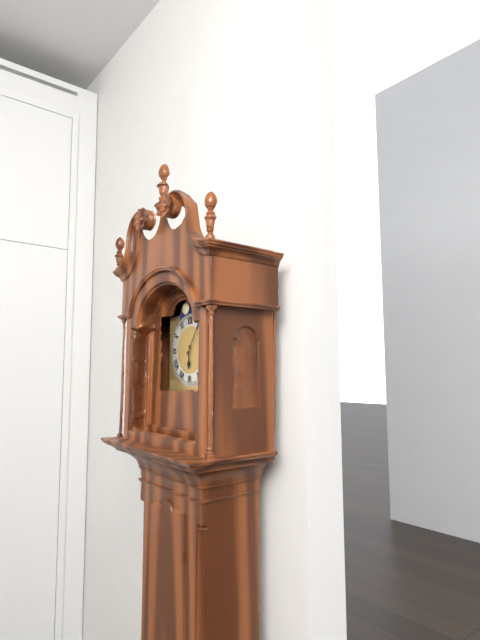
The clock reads 6:06
